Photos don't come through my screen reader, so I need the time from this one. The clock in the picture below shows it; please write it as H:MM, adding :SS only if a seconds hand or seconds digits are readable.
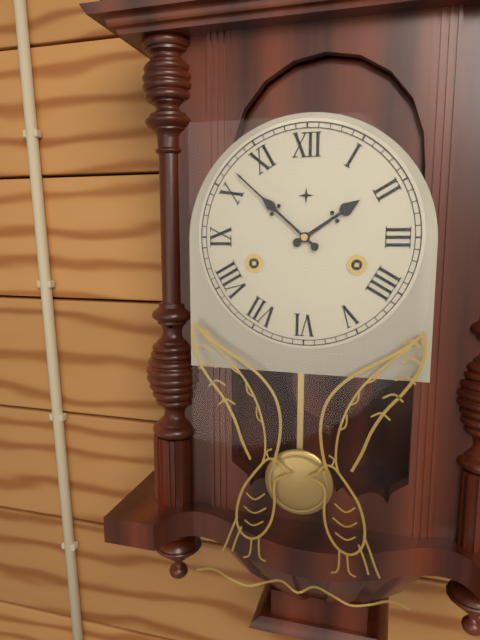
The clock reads 1:52
